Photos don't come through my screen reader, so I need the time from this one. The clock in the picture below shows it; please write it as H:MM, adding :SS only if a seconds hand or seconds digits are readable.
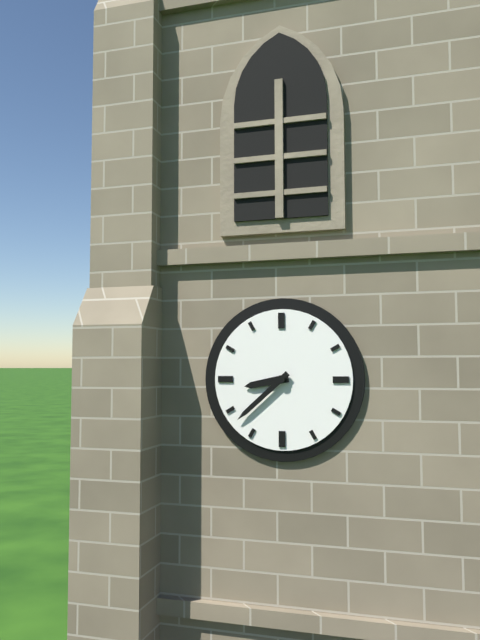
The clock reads 8:38
